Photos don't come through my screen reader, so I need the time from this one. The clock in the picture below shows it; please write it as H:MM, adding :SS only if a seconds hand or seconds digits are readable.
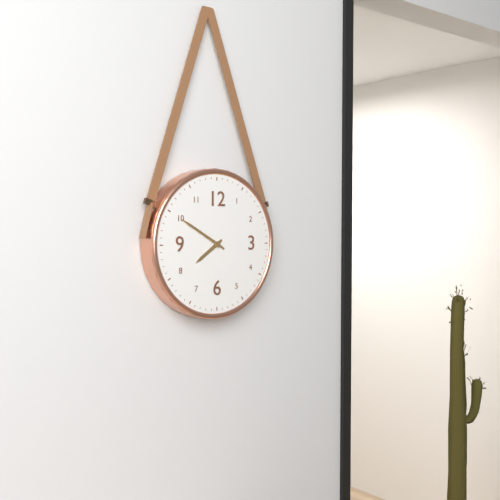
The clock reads 7:50
